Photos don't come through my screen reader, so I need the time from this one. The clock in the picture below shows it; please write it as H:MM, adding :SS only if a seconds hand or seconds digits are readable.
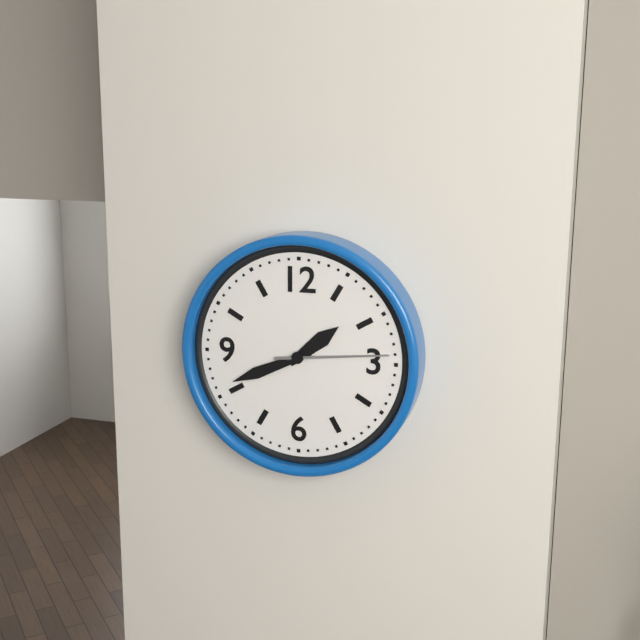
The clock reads 1:41:14
